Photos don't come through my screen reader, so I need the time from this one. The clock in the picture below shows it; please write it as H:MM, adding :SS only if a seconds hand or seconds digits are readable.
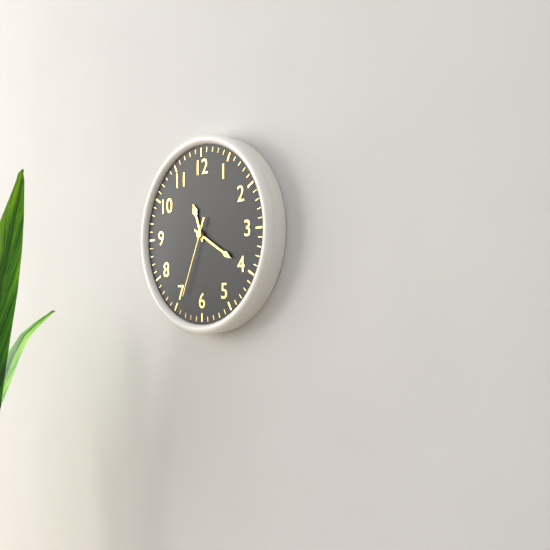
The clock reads 11:20:34
